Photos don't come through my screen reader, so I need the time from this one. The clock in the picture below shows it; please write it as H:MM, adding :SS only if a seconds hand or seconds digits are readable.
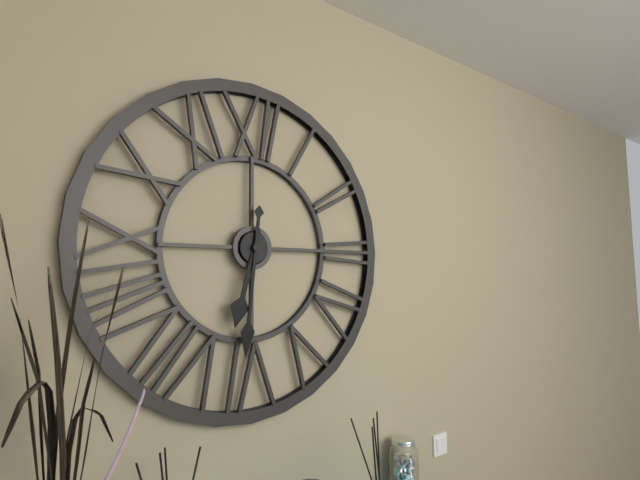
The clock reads 6:31
